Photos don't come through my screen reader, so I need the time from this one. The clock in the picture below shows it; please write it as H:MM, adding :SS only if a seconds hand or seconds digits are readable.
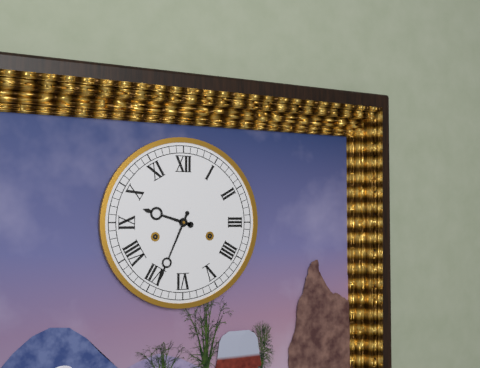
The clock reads 9:34
